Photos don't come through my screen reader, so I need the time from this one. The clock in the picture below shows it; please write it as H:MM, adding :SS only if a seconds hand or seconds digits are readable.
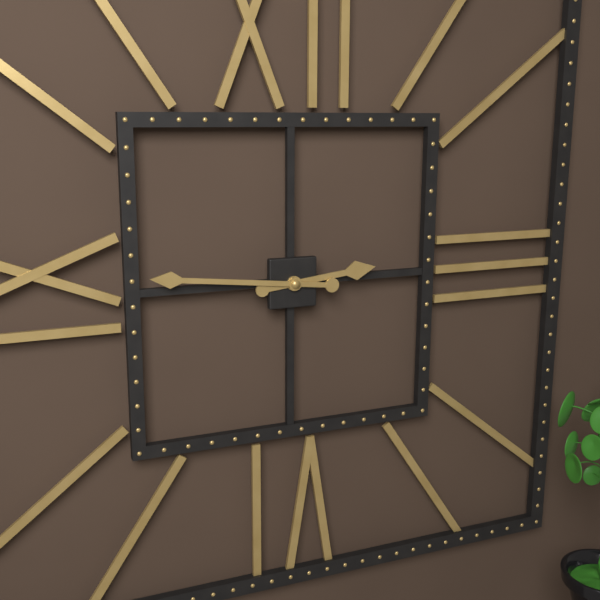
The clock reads 2:46
